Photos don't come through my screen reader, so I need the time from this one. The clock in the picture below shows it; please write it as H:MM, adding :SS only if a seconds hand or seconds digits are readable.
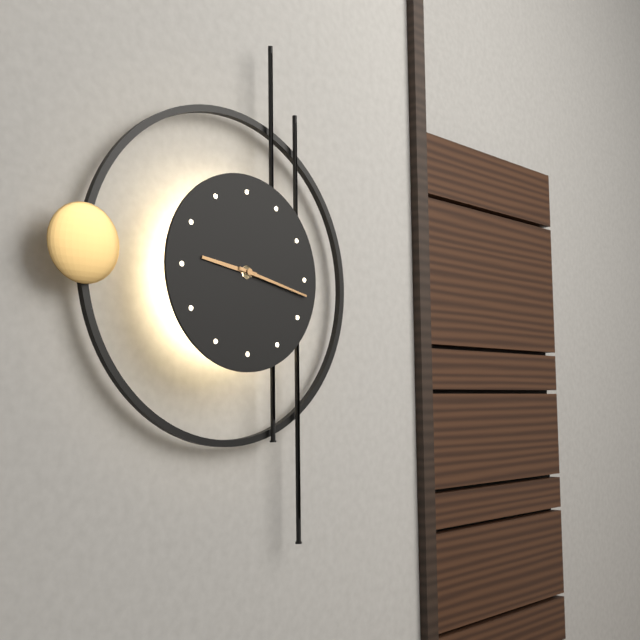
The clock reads 9:17
